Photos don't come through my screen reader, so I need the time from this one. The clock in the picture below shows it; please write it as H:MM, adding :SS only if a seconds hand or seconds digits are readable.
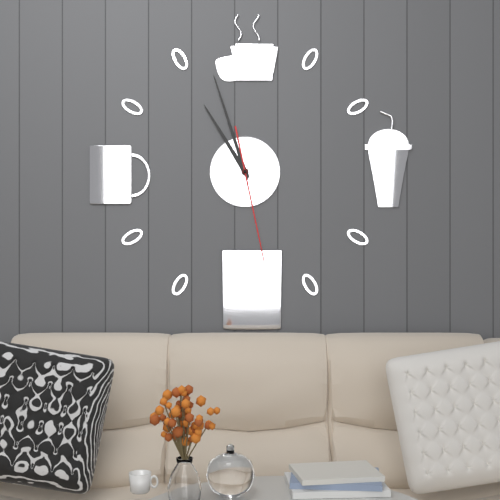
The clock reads 10:57:28
